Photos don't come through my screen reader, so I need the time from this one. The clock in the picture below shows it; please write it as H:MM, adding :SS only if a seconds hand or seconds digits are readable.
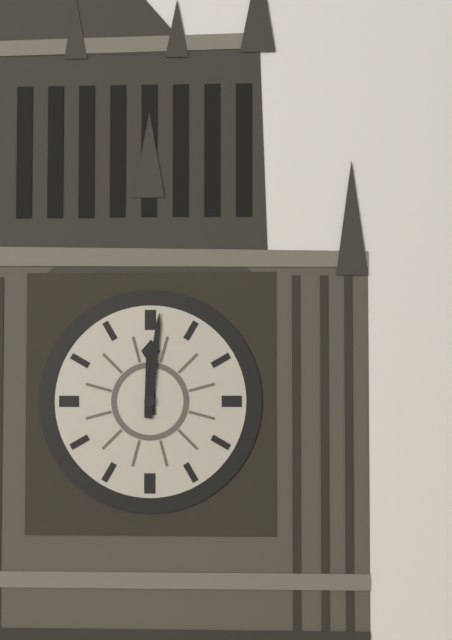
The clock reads 12:01
